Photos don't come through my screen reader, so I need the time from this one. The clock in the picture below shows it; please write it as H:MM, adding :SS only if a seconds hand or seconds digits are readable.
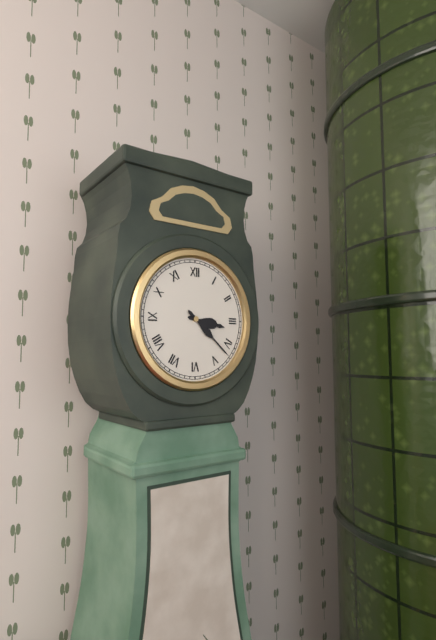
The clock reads 3:22
